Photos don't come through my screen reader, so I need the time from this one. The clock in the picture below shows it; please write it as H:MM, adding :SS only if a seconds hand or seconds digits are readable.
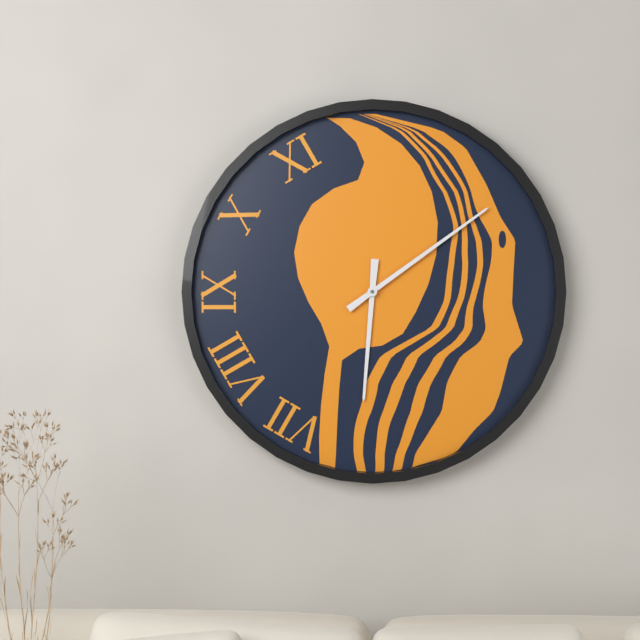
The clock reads 6:09
